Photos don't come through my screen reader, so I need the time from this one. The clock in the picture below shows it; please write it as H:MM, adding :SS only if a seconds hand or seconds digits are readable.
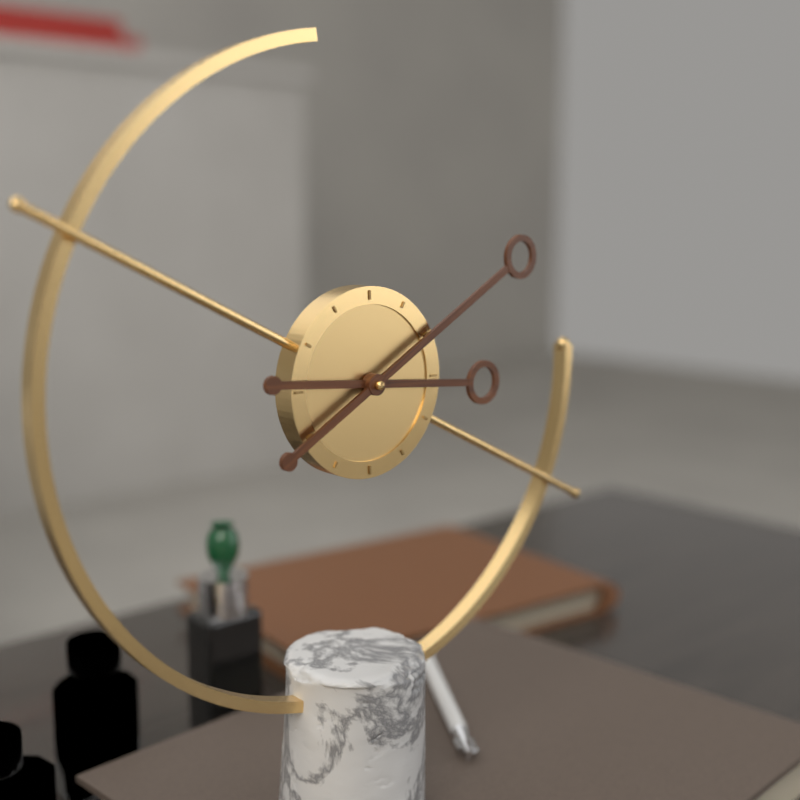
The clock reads 3:10
